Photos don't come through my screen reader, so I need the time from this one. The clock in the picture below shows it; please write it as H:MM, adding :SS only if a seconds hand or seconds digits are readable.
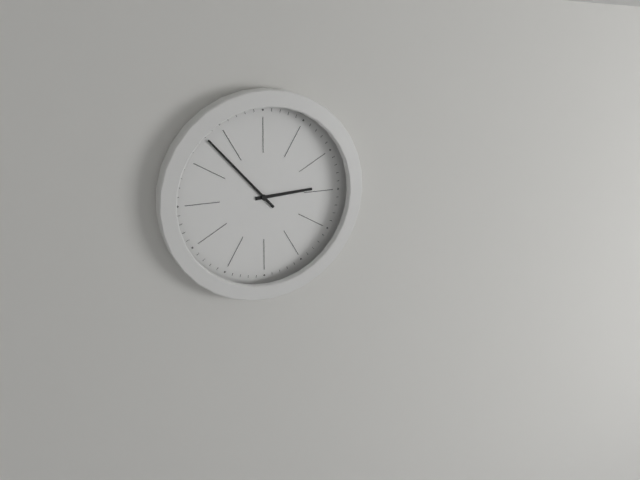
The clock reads 2:53
